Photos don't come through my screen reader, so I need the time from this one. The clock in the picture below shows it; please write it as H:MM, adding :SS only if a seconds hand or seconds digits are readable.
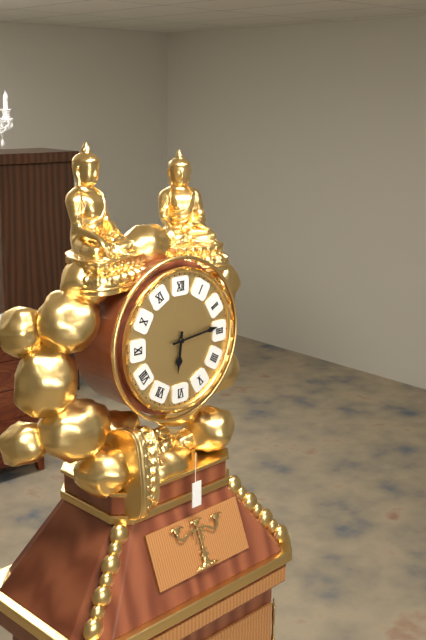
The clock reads 6:14
